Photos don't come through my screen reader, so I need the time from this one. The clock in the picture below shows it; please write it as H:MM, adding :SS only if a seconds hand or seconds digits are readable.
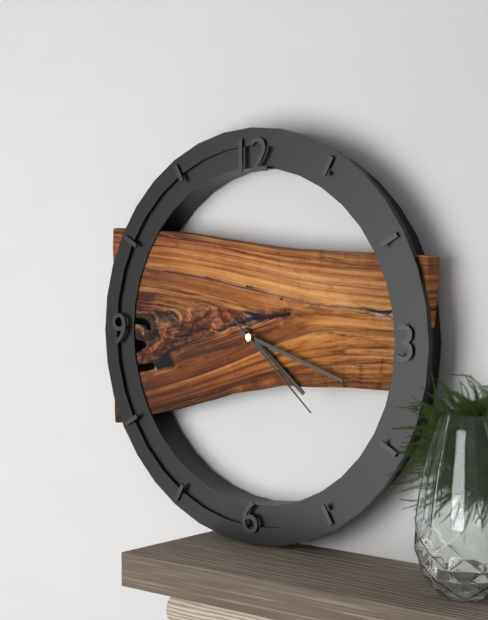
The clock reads 4:18:22
